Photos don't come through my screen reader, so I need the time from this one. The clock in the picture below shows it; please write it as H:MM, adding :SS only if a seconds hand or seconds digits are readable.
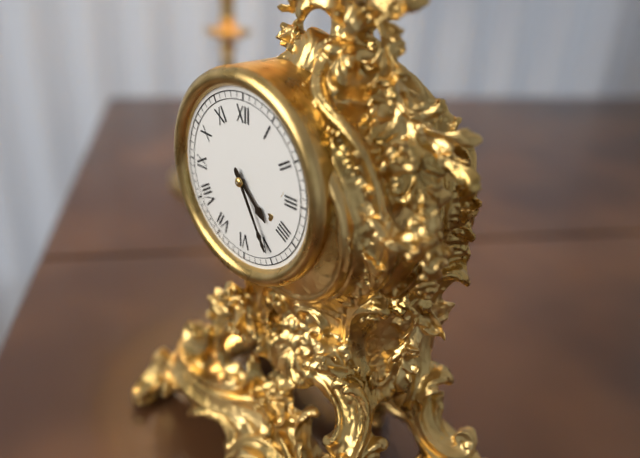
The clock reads 4:25
